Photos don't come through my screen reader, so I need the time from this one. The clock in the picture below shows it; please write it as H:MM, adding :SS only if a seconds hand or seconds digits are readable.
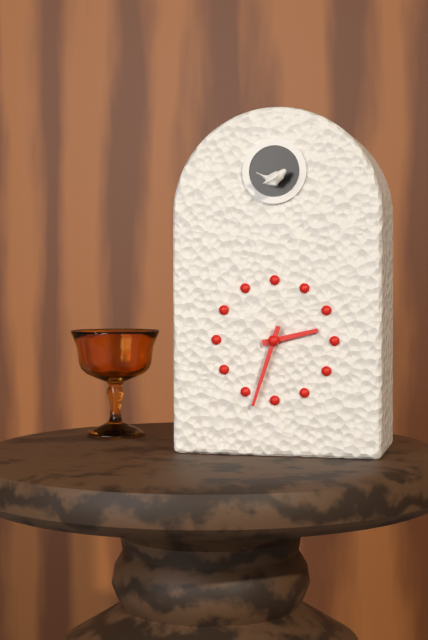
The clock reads 2:33
